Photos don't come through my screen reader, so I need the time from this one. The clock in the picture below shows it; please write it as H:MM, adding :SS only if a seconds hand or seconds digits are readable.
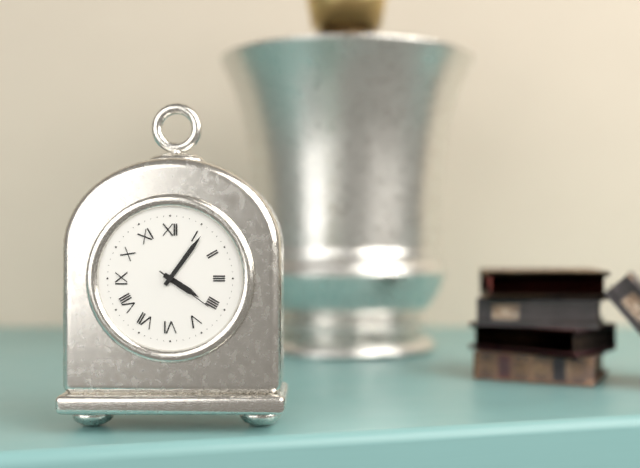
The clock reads 4:06:21
